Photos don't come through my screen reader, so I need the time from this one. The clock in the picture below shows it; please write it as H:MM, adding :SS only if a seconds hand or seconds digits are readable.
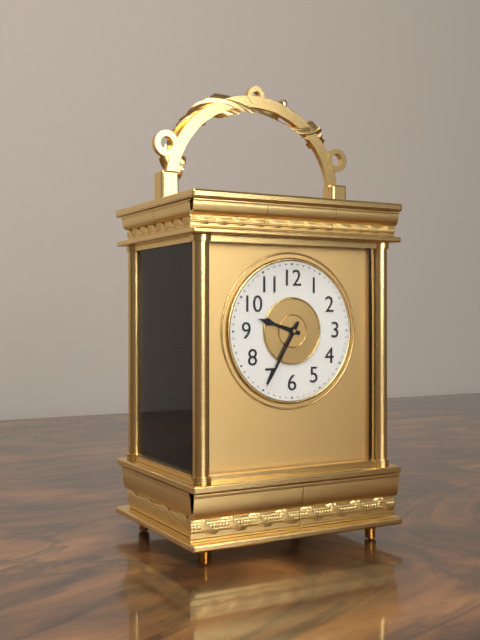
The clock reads 9:35
